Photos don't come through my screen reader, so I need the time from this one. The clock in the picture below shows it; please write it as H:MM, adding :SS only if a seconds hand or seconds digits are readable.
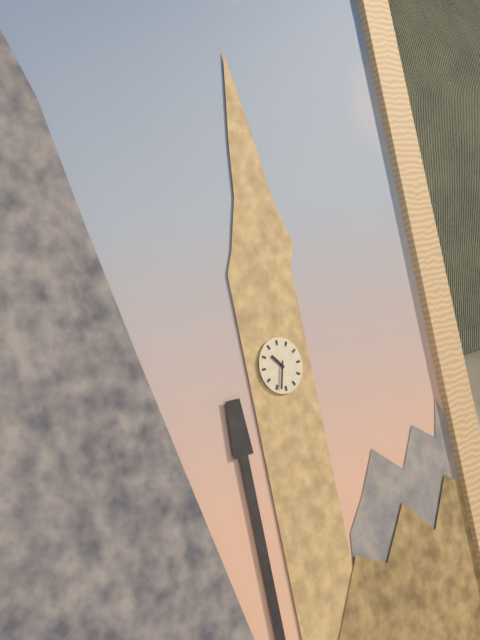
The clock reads 10:33
